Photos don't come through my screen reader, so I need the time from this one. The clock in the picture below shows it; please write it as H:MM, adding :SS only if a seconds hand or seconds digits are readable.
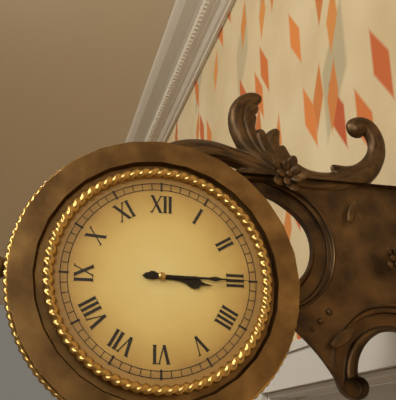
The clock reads 3:15
